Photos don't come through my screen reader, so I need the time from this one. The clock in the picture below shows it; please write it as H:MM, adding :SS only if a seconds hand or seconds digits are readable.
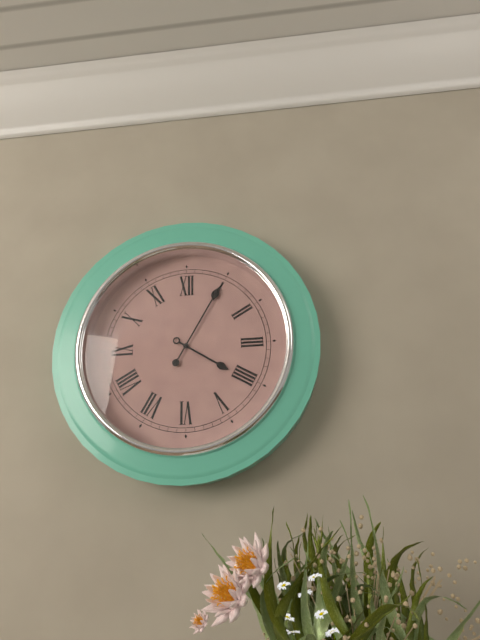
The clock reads 4:05
